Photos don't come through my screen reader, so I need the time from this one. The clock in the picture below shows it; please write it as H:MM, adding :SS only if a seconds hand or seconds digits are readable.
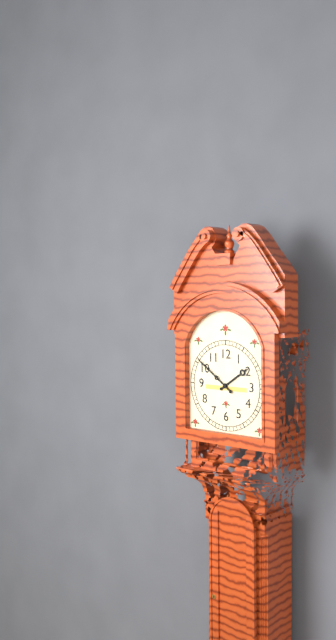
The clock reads 1:51
